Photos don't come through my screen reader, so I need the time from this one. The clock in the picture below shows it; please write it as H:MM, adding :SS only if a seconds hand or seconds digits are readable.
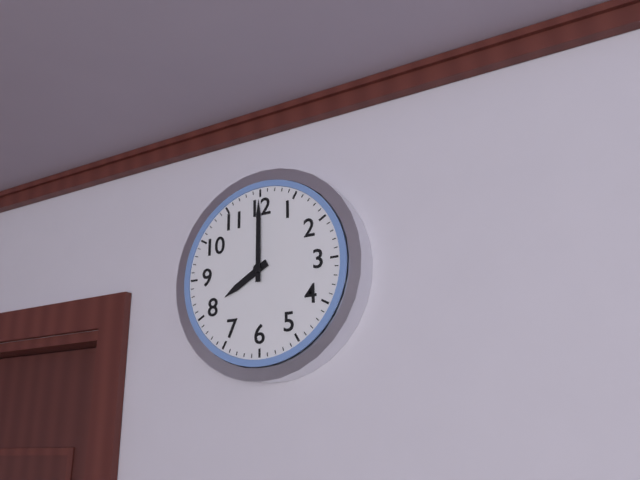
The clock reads 8:00
